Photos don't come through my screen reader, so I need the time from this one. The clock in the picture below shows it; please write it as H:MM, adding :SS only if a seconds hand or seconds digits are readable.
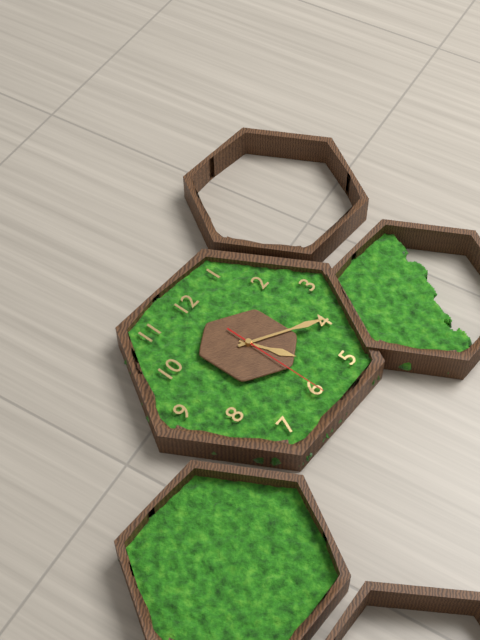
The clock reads 5:20:30
